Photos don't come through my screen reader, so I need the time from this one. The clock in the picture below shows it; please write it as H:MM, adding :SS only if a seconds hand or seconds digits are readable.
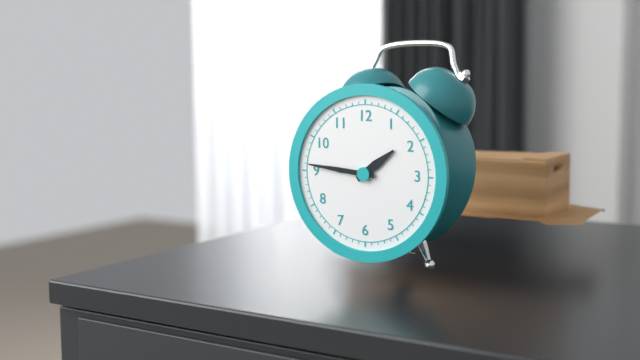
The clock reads 1:46
